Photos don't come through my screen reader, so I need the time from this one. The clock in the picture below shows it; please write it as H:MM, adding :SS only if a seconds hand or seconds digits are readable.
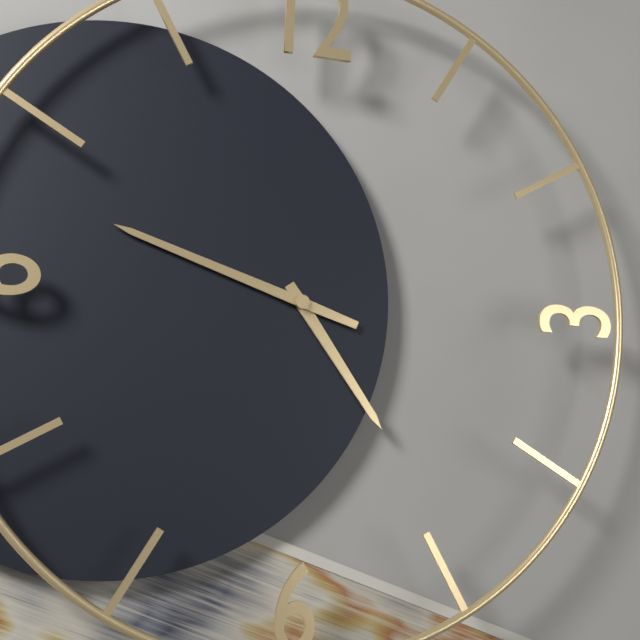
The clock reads 4:48
